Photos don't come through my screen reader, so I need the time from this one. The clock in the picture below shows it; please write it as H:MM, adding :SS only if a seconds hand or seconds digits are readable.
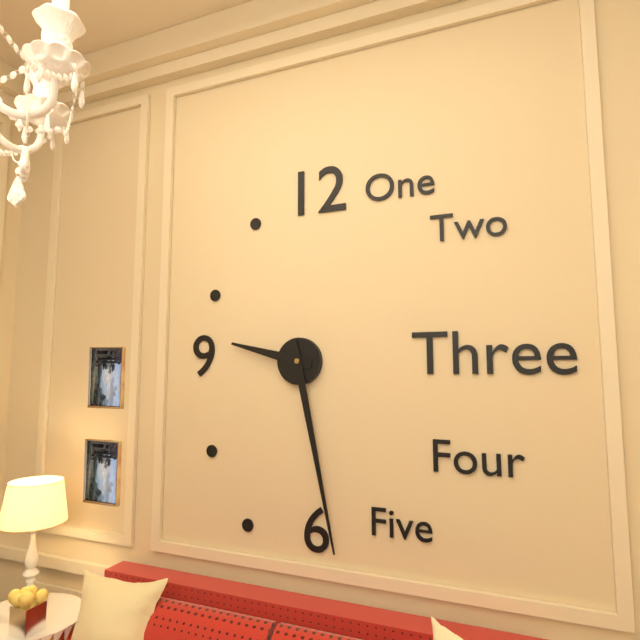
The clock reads 9:28
